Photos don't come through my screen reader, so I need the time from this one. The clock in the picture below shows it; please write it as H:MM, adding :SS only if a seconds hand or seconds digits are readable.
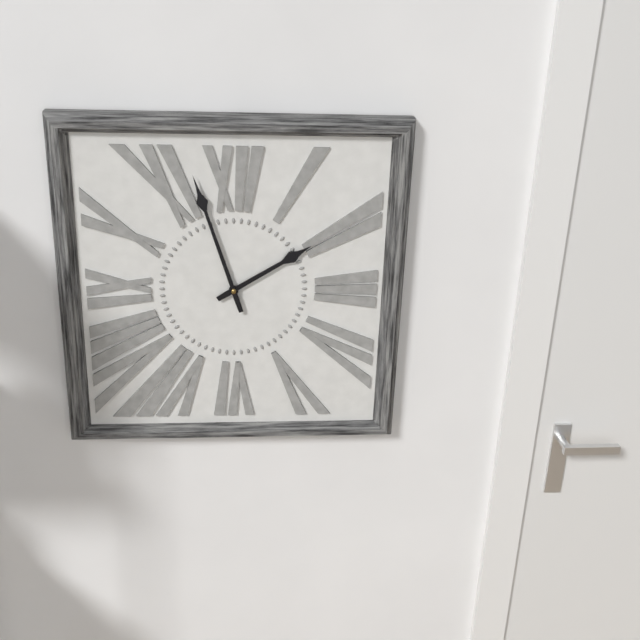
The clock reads 1:57
